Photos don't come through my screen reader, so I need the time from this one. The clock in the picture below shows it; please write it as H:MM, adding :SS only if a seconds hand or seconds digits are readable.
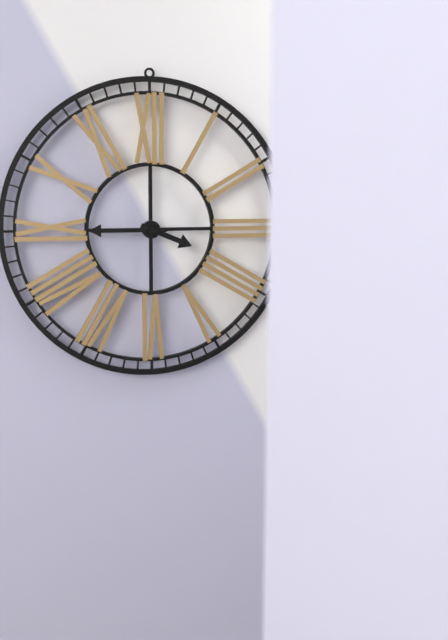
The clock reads 3:45
